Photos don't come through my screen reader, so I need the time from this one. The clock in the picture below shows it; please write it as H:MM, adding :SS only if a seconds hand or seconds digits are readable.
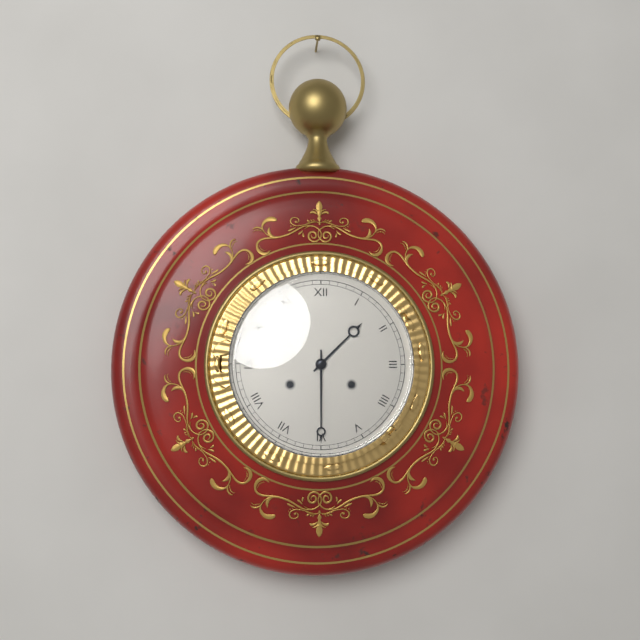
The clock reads 1:30
